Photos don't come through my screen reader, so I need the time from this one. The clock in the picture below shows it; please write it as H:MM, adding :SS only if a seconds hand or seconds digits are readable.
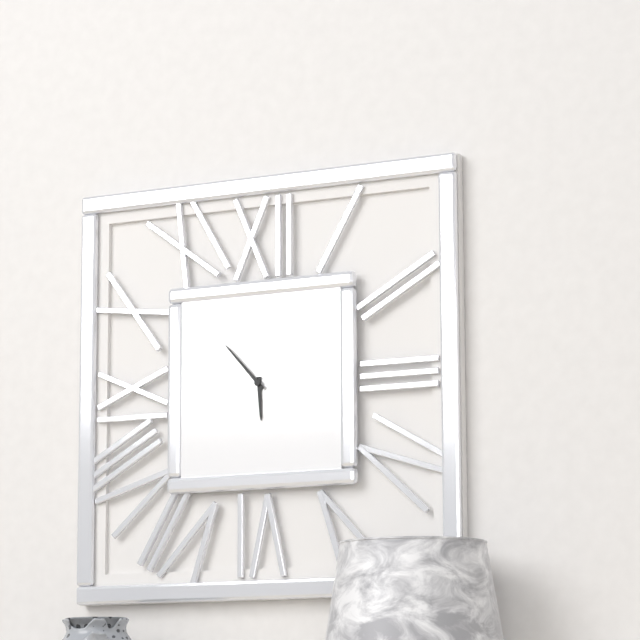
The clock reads 5:53
